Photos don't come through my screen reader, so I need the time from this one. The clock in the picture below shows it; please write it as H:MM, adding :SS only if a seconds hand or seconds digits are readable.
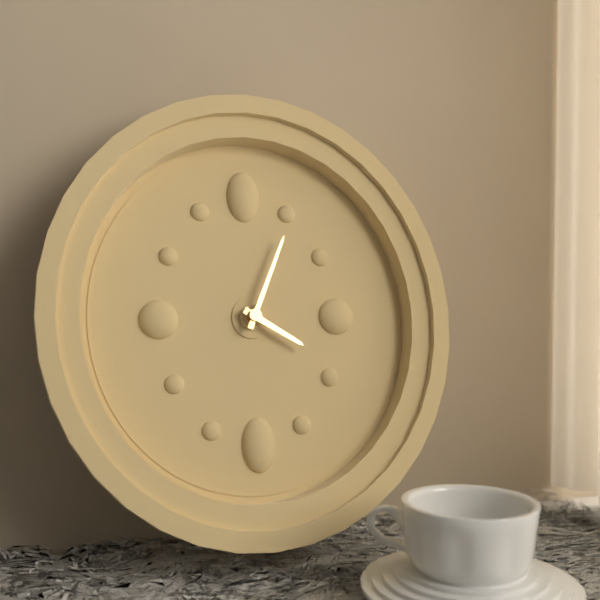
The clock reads 4:04
